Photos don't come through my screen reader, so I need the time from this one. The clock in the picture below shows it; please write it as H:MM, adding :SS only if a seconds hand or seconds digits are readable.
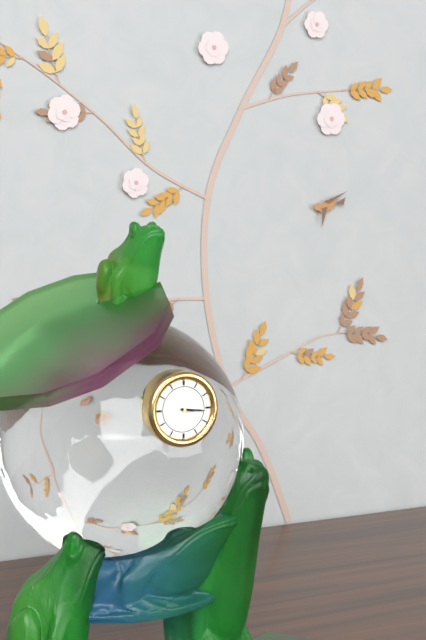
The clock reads 3:16
